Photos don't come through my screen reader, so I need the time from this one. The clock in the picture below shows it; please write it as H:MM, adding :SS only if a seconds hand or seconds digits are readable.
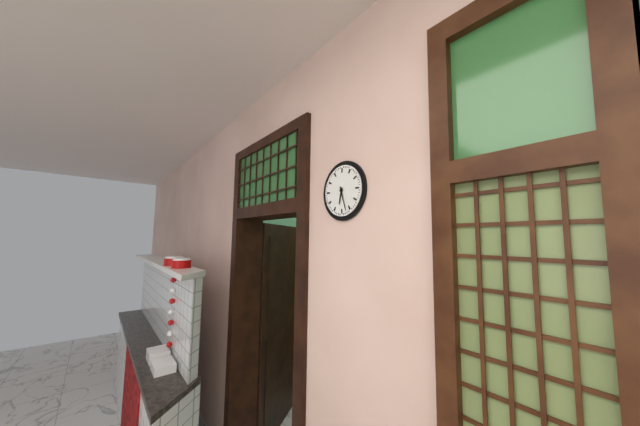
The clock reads 6:27
